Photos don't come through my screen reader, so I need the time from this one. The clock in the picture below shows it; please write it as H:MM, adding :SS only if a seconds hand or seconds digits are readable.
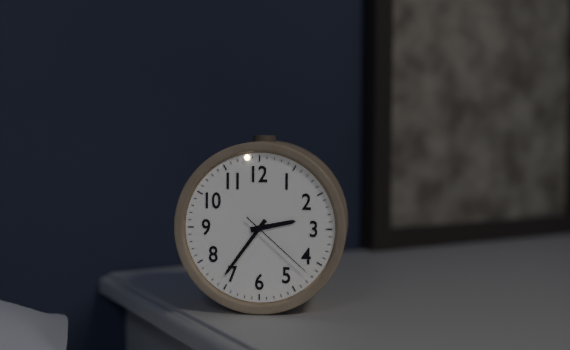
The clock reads 2:36:22
